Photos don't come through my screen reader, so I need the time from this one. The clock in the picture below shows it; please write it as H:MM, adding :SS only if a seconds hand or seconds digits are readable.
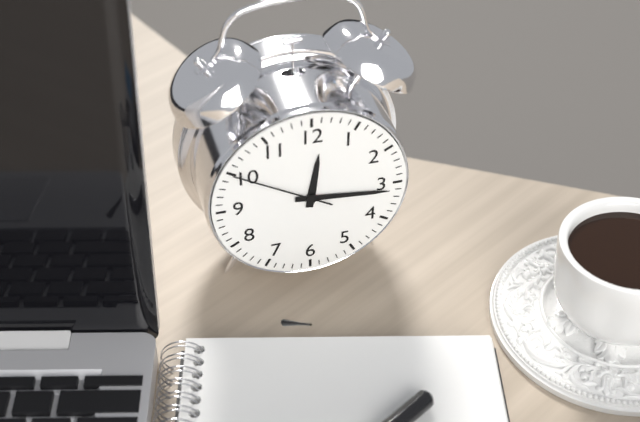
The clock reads 12:16:50
